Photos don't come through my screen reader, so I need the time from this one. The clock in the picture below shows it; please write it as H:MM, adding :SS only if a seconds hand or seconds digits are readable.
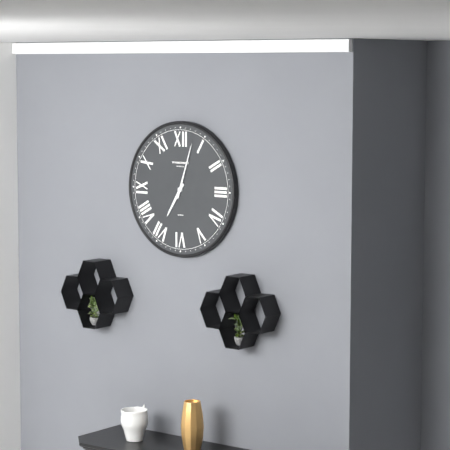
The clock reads 7:03
